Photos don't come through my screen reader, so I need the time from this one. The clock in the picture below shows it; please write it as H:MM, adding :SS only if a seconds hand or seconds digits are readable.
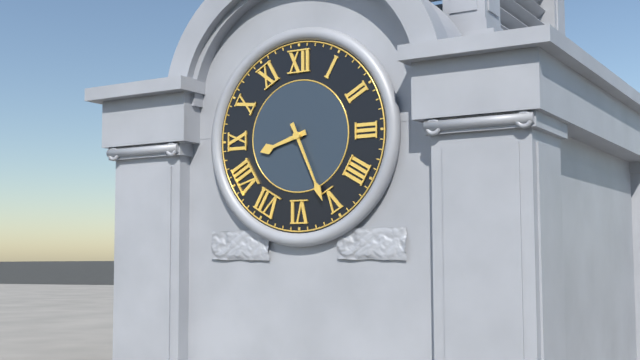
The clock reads 8:26
